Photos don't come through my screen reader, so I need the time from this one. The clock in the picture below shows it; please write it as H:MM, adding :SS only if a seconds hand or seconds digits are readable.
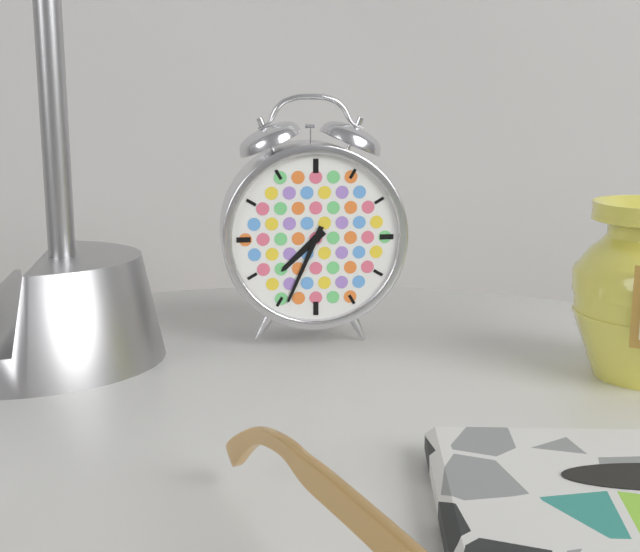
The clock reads 7:34
